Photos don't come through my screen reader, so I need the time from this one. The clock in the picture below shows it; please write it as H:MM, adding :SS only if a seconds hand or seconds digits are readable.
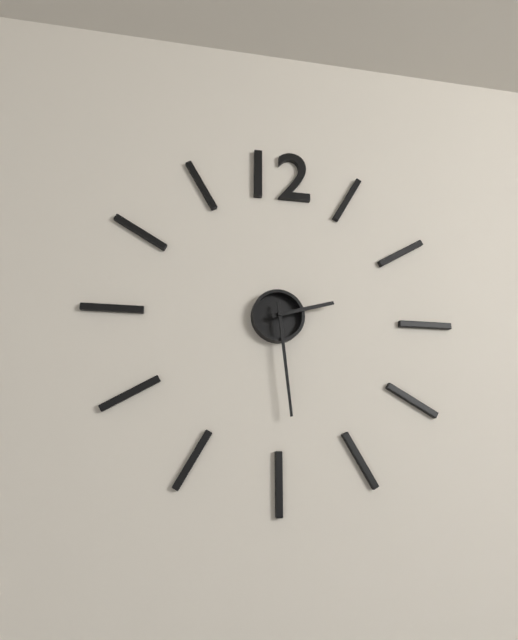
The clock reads 2:29
